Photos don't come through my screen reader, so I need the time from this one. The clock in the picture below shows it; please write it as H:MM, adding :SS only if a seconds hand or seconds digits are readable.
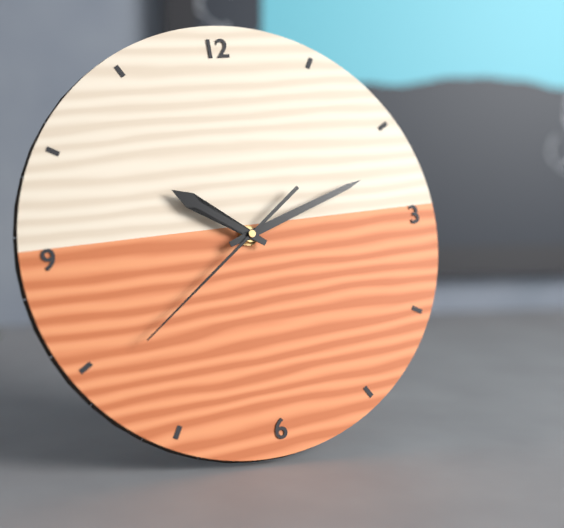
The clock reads 10:12:39
